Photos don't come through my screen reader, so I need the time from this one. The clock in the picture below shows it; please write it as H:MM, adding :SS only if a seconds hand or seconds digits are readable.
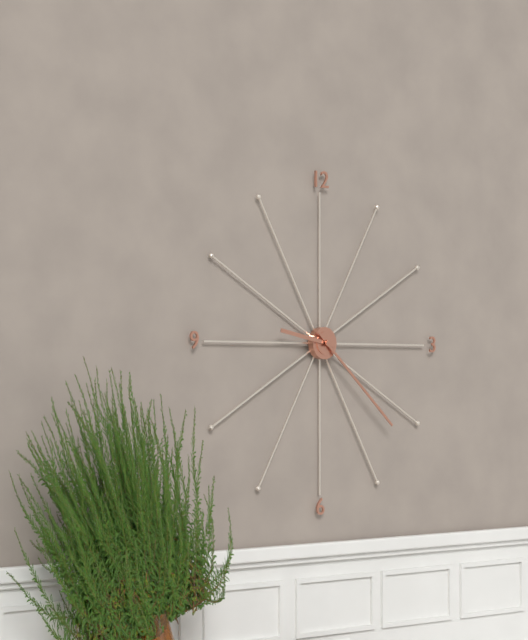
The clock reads 9:22
